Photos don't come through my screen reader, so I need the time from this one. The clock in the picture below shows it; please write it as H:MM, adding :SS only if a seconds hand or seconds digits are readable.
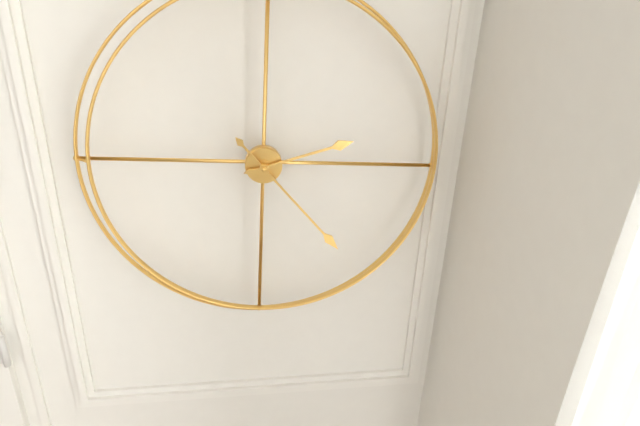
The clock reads 2:23
